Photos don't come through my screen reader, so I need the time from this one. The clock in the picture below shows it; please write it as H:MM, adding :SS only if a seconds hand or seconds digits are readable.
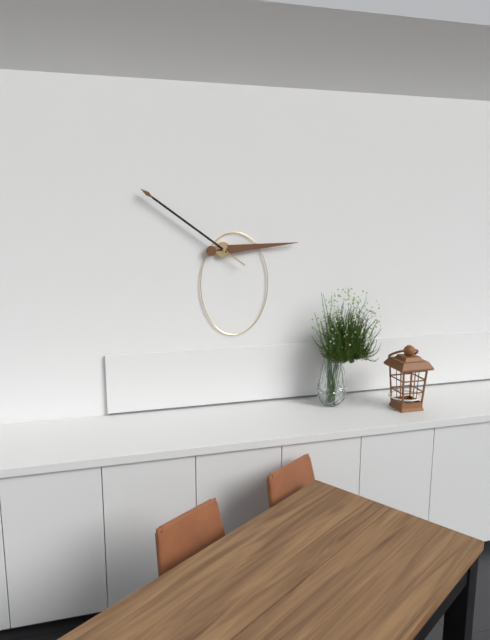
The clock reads 2:51
